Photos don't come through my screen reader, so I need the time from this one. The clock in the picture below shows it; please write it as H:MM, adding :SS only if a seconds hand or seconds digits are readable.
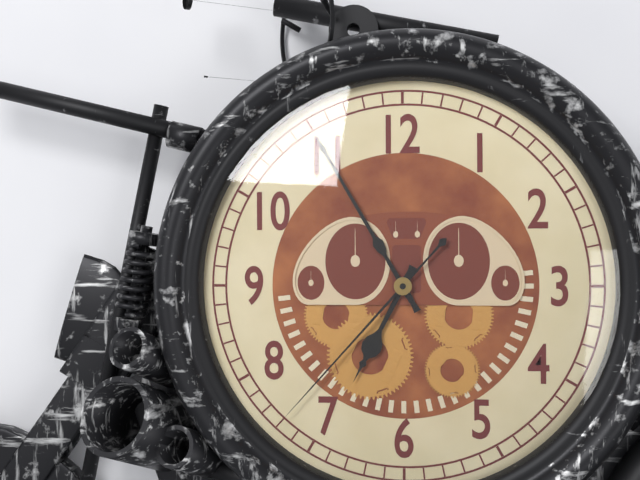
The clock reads 6:55:37
